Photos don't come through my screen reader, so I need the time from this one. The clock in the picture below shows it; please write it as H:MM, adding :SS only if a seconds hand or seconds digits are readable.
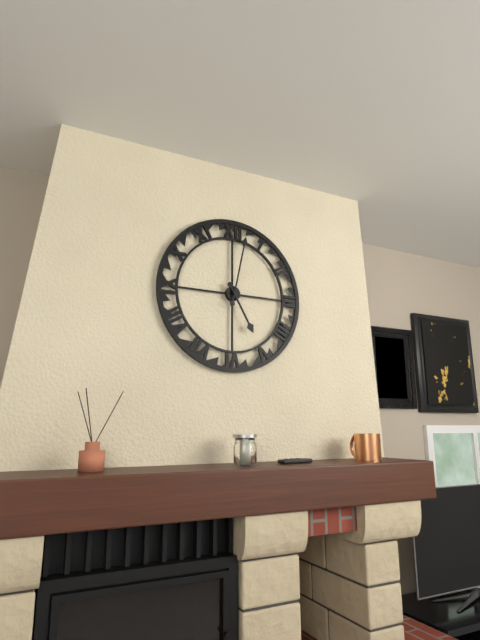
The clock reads 5:02
